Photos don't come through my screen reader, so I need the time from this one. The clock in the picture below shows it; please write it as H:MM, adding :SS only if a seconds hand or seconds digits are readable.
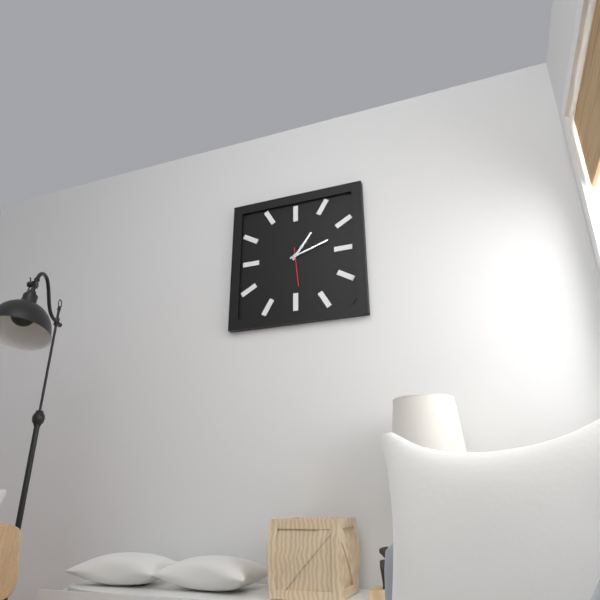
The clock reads 1:12
